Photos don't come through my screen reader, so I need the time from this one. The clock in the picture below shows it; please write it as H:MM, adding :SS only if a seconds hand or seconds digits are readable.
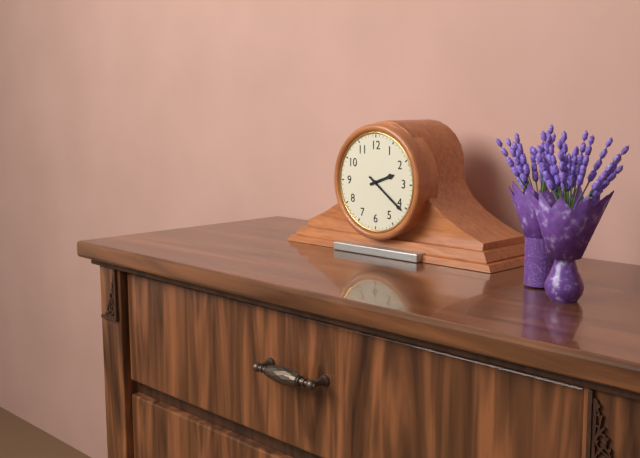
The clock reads 2:21
